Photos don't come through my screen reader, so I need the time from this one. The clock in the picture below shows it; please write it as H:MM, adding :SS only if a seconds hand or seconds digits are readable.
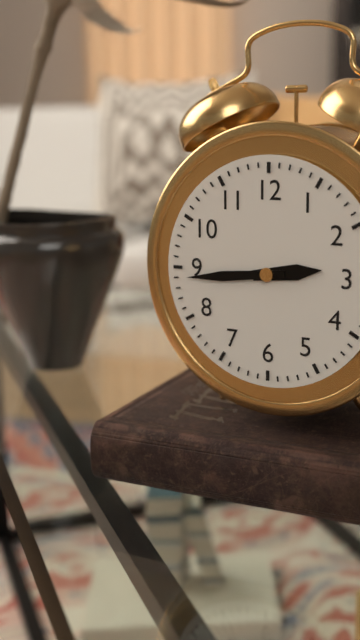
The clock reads 2:44
